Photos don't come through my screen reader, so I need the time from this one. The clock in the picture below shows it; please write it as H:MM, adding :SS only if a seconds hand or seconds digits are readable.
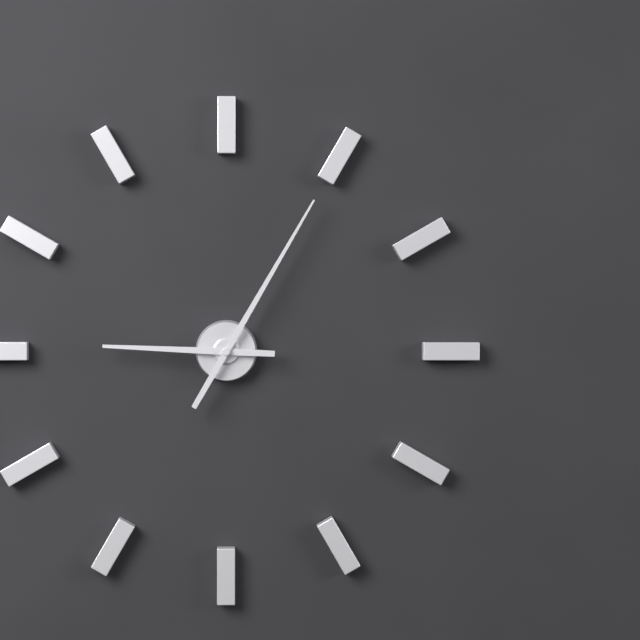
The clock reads 9:05
